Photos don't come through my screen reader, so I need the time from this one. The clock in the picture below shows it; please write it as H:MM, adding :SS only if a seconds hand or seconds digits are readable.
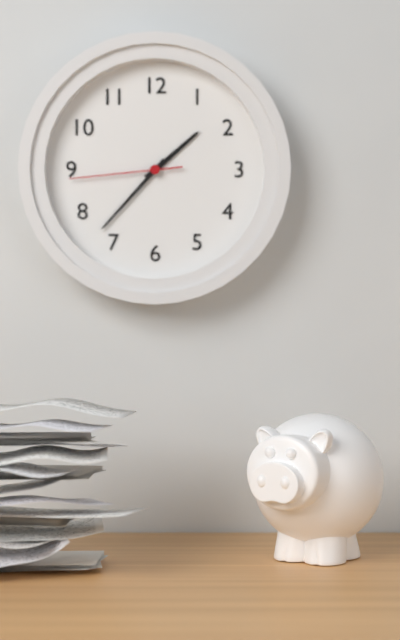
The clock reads 1:37:44
